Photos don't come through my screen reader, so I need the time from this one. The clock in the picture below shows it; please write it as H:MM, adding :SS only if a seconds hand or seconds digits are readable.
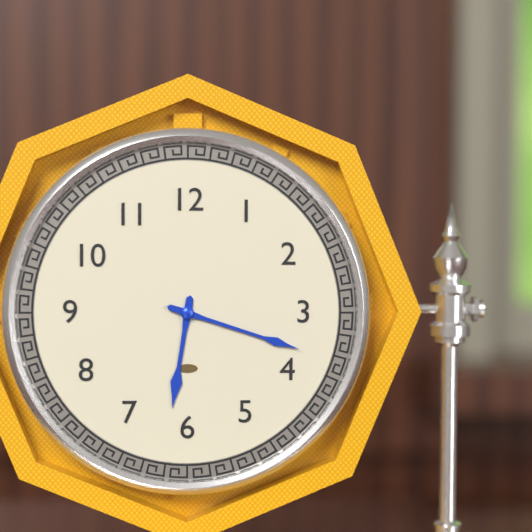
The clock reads 6:18
